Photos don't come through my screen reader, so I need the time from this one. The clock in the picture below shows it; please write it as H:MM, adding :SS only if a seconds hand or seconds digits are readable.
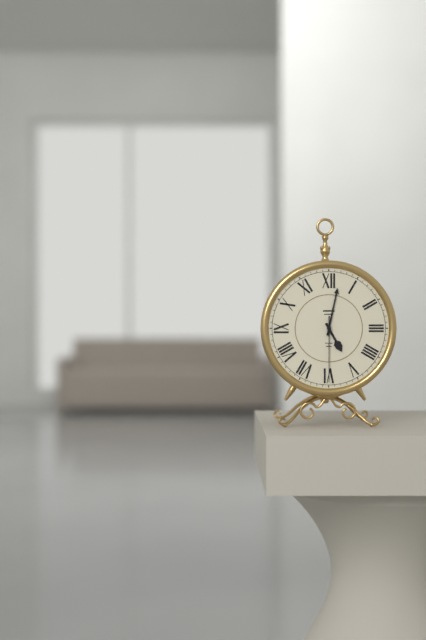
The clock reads 5:02:30
